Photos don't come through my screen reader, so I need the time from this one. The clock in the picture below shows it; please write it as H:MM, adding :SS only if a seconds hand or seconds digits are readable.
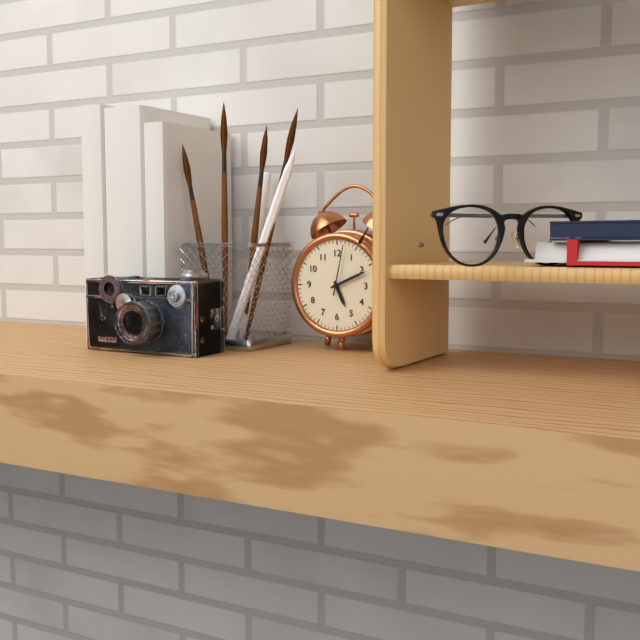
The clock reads 5:11:02
